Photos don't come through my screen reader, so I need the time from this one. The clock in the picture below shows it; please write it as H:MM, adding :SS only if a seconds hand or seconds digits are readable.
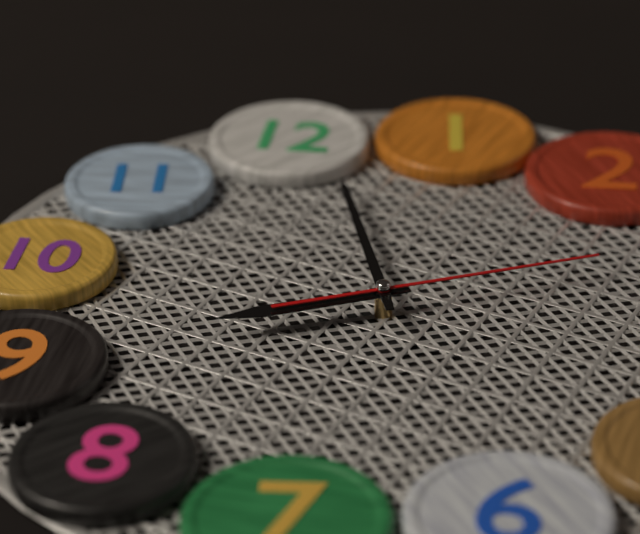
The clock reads 9:01:15
